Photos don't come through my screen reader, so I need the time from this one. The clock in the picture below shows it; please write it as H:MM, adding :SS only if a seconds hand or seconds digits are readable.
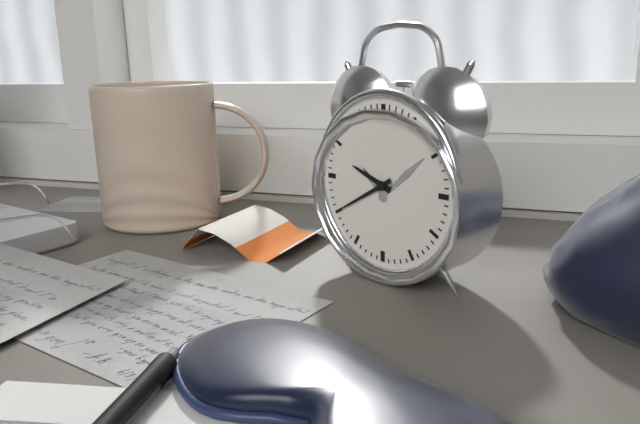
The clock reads 9:40
